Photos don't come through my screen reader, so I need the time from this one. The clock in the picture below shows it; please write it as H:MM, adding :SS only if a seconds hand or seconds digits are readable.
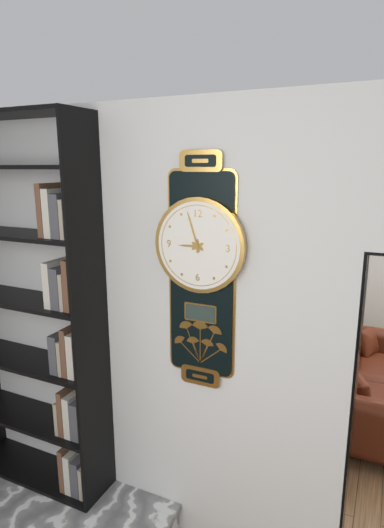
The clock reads 8:57
